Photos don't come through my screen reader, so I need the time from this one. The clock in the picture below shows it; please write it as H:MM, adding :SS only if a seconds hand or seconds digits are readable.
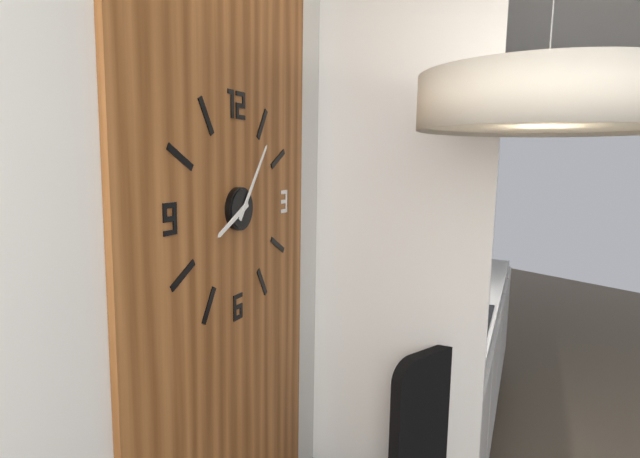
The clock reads 8:06
